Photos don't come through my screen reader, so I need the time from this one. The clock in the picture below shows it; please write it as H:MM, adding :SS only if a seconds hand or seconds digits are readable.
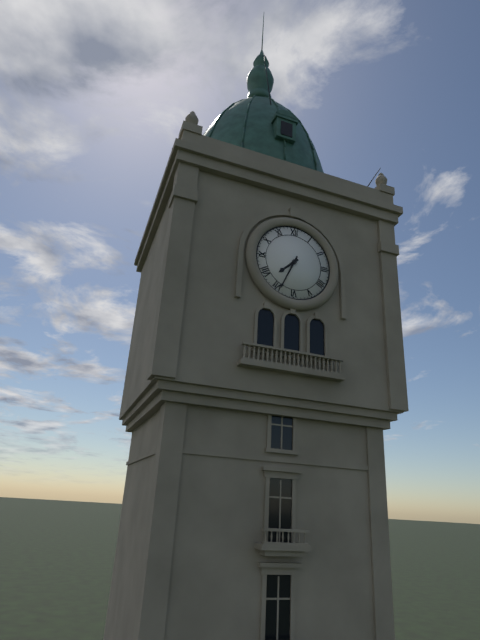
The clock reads 7:34
